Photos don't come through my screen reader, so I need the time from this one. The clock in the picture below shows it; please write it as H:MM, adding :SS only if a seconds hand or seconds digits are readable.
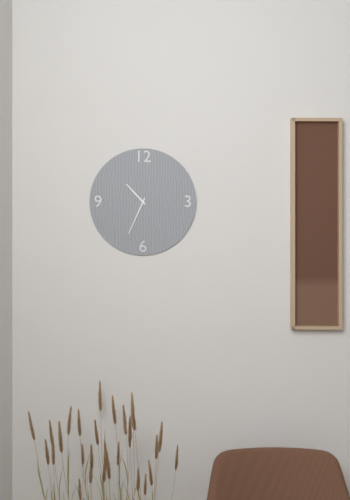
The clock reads 10:34
